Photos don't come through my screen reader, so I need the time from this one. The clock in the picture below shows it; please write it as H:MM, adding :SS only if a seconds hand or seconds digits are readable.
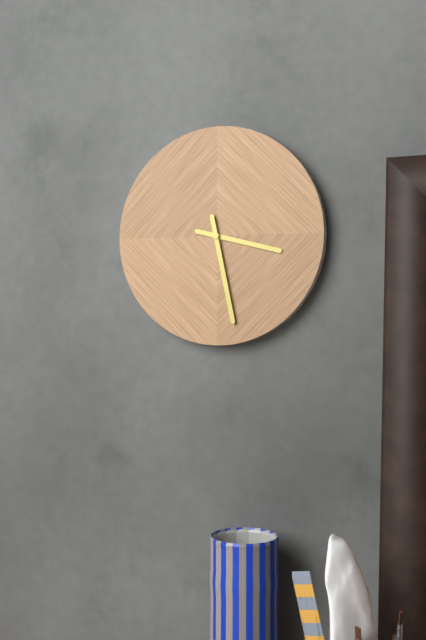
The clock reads 3:28
